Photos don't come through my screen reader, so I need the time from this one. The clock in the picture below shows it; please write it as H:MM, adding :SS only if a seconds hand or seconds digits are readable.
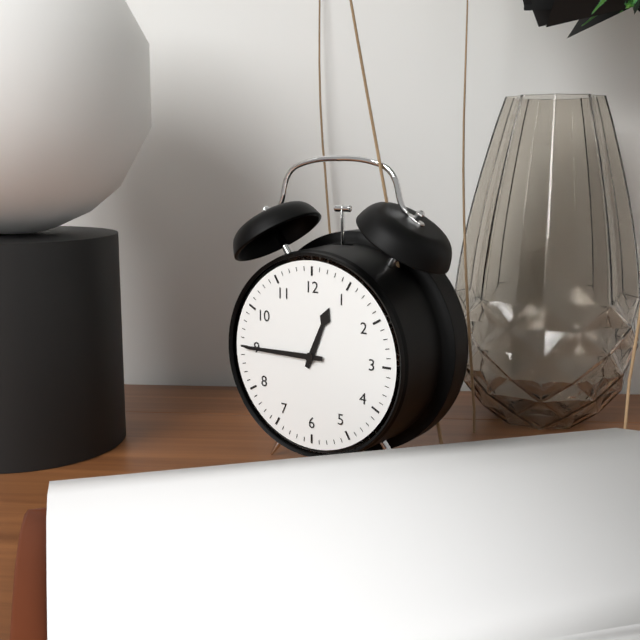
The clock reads 12:45
